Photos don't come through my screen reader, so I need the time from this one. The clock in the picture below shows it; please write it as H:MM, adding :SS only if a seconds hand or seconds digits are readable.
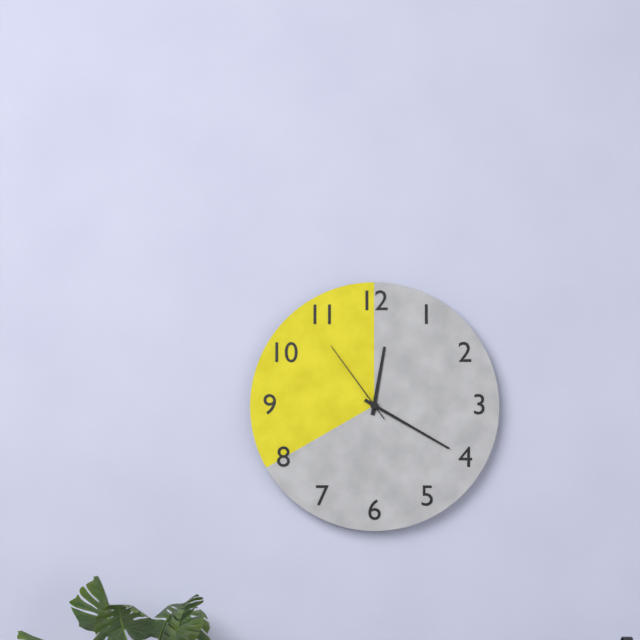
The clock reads 12:20:54
